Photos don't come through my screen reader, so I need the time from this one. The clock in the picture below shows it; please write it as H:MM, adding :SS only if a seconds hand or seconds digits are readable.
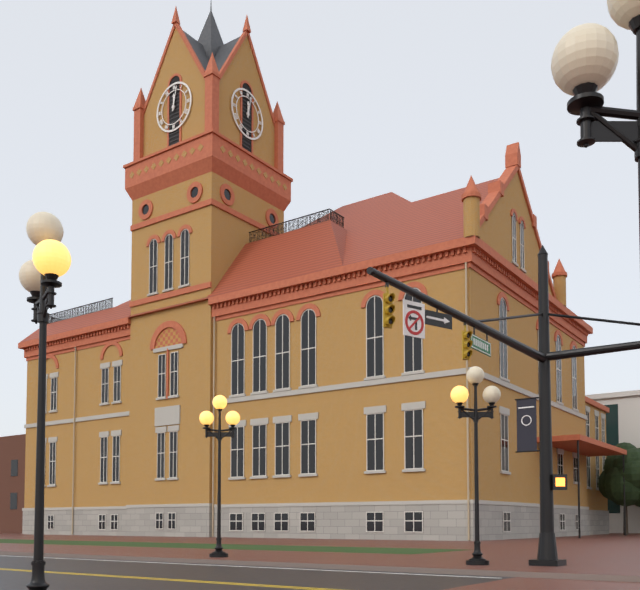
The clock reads 12:02
